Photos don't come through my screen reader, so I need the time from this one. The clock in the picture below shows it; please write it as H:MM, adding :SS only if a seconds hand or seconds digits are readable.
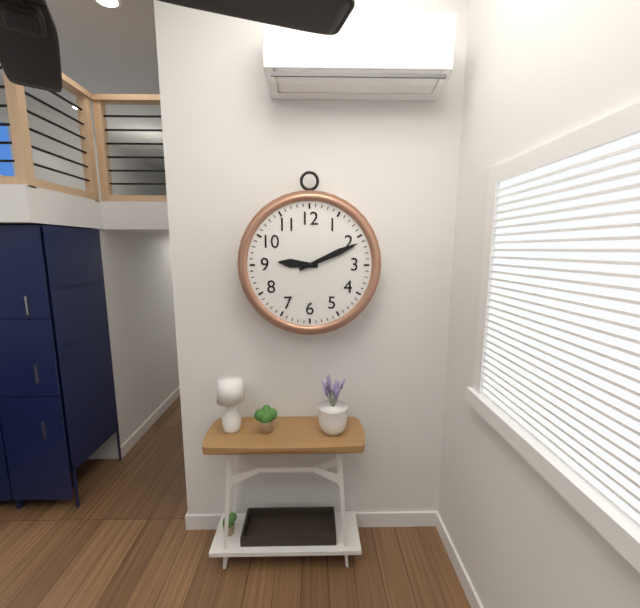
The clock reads 9:11
